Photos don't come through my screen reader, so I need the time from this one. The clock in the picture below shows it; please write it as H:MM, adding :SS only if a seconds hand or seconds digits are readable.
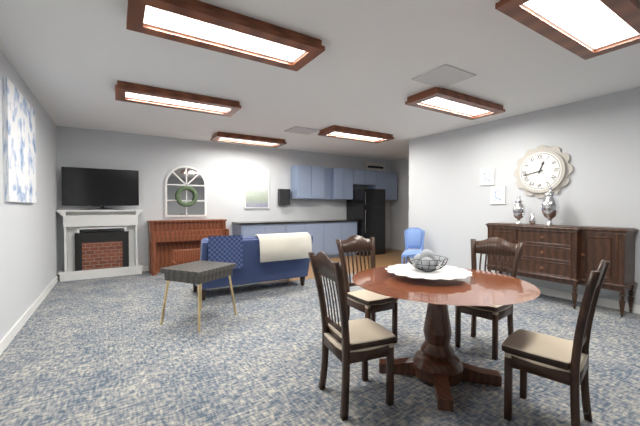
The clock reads 12:43
